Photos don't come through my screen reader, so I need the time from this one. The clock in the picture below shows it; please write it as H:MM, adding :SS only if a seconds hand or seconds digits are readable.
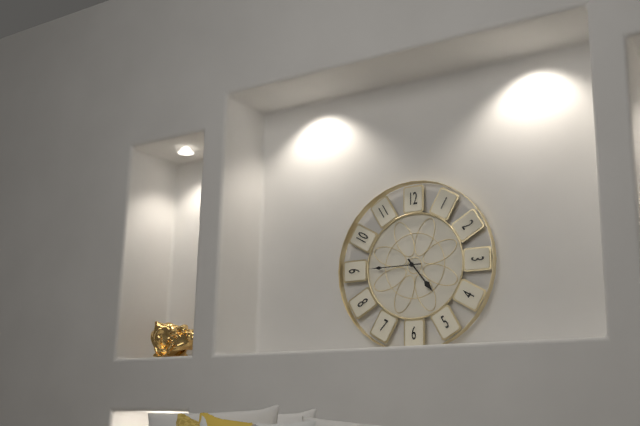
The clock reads 4:45
